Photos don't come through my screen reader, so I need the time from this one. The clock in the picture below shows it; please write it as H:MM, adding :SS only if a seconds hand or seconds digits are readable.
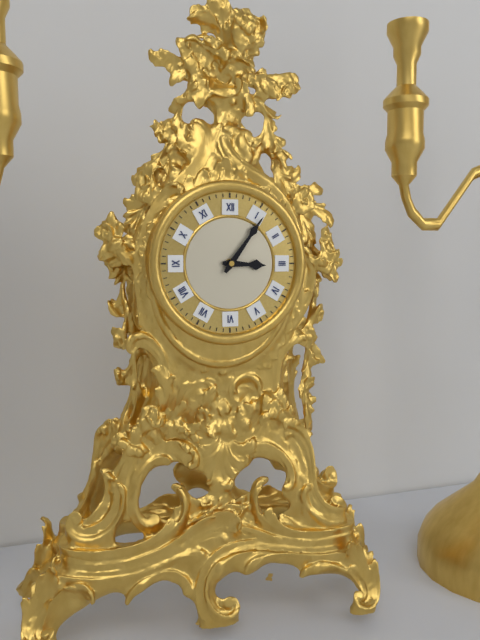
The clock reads 3:06
